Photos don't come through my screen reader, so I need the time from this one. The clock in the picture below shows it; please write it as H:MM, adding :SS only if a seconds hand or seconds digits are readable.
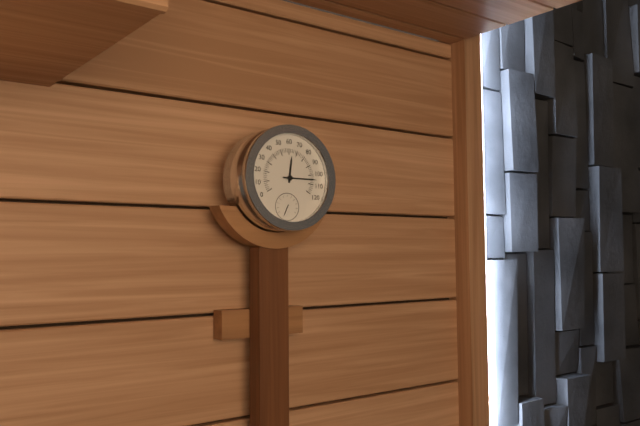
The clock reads 12:15
